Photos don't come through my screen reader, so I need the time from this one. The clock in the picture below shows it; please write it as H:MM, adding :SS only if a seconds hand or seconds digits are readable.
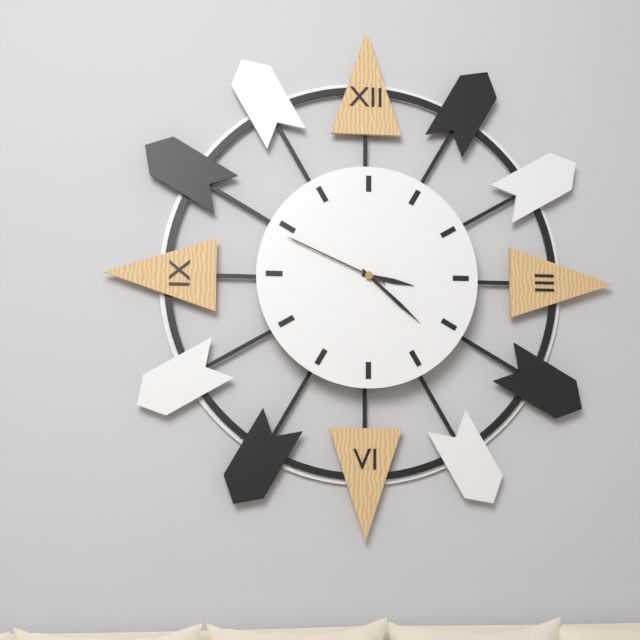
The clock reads 3:22:49
